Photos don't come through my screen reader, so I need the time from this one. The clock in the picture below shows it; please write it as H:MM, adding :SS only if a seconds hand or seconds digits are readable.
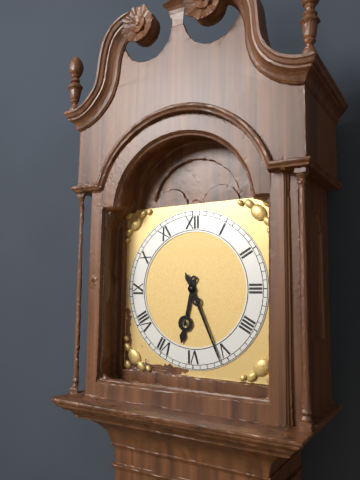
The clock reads 6:26
